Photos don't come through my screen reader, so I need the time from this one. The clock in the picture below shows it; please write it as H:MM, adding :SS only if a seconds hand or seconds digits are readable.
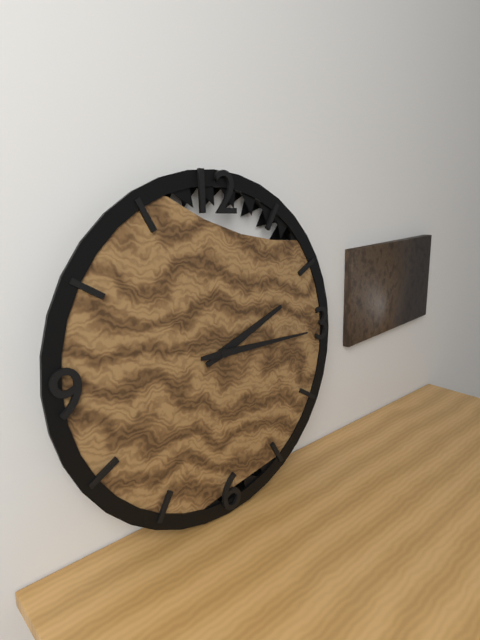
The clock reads 2:15
